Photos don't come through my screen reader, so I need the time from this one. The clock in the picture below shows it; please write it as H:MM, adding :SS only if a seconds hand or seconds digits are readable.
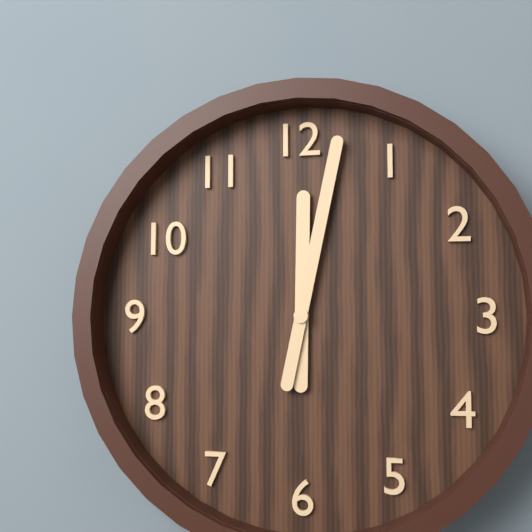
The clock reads 12:02
